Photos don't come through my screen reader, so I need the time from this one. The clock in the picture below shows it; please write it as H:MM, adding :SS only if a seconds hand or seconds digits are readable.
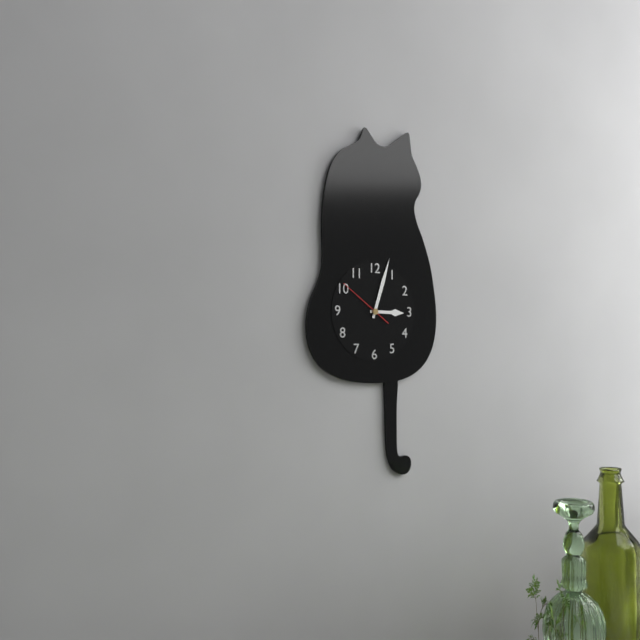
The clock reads 3:03:51
